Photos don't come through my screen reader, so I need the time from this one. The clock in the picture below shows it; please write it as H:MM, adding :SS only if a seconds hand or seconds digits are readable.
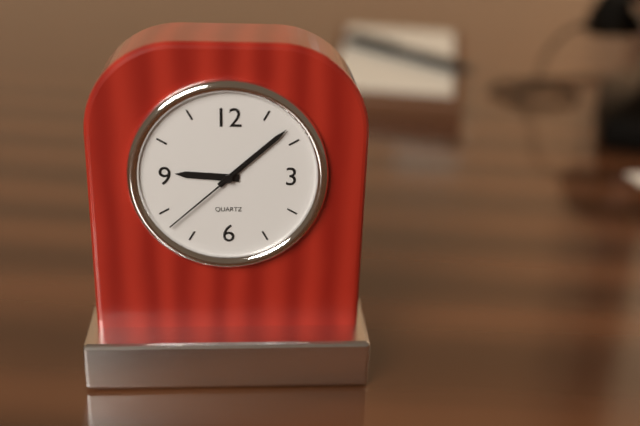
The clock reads 9:08:38
